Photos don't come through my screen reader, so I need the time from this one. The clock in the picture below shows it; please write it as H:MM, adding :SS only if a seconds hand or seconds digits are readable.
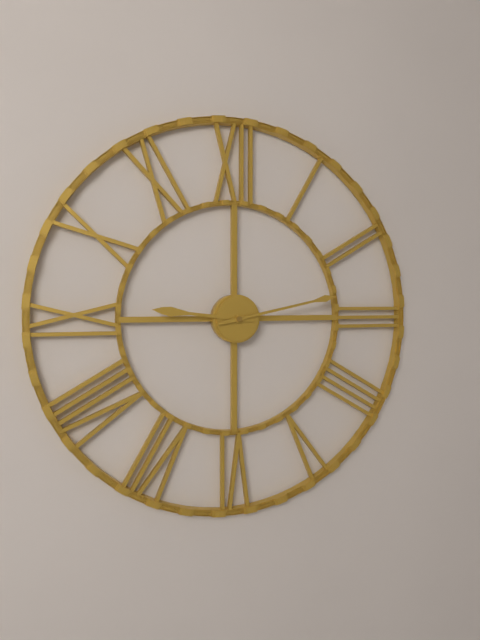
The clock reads 9:13
